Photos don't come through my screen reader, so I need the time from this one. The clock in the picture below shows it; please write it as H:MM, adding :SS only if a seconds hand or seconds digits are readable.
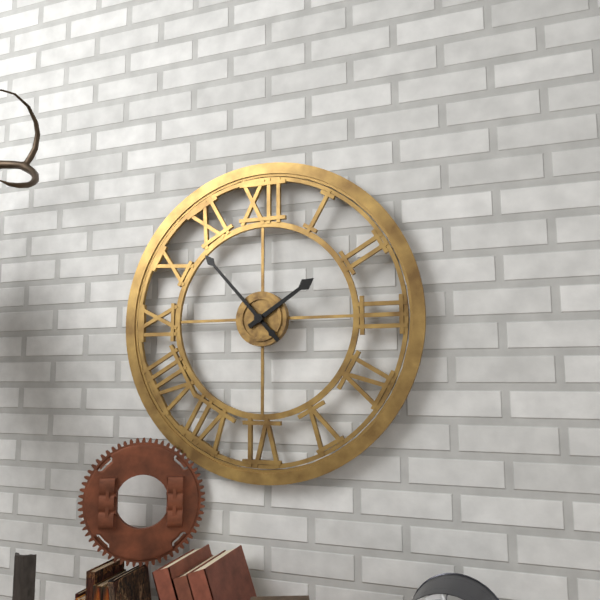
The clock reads 1:53
